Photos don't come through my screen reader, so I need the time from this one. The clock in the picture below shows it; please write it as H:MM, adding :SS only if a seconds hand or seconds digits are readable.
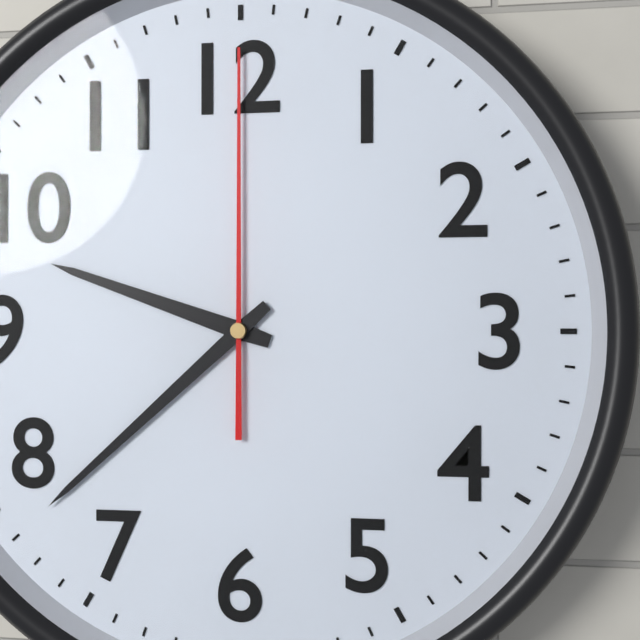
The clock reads 9:38:00
